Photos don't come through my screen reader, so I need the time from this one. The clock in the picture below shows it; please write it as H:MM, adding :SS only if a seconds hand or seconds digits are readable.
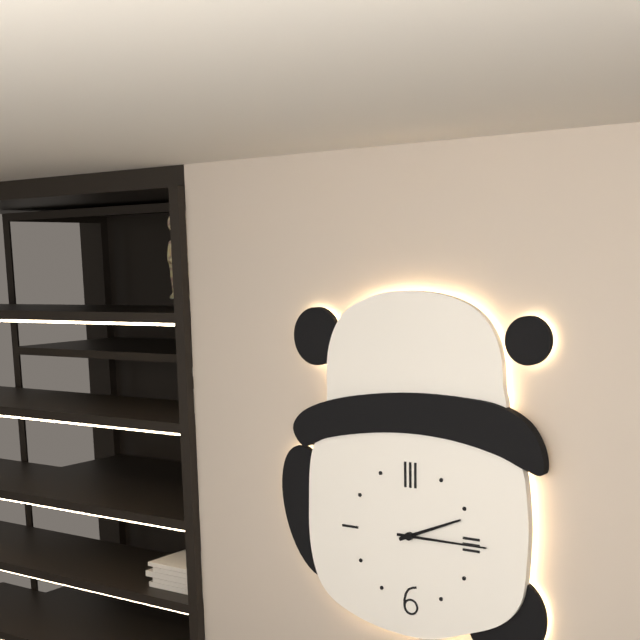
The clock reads 2:15
